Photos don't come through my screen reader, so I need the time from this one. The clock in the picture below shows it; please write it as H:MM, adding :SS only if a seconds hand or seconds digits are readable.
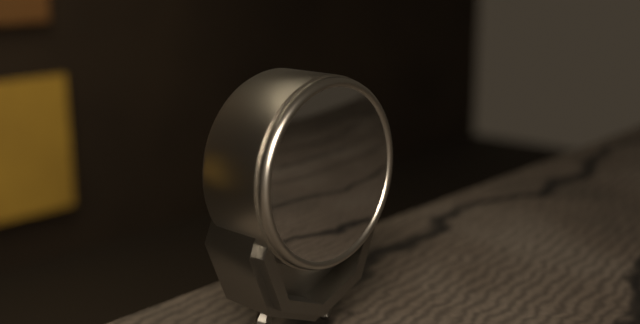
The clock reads 10:07
